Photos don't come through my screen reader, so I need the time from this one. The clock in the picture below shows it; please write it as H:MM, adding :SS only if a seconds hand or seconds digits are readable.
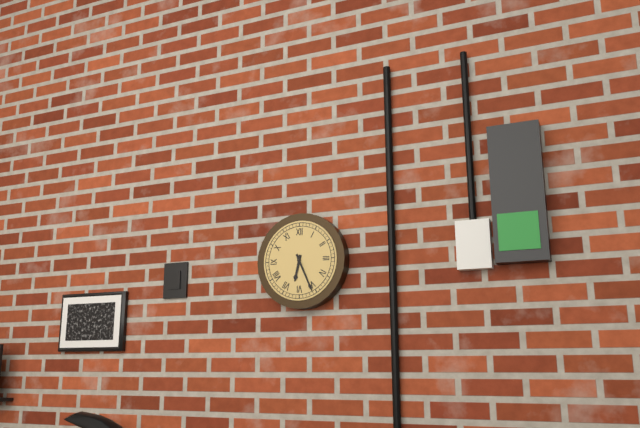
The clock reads 6:26
